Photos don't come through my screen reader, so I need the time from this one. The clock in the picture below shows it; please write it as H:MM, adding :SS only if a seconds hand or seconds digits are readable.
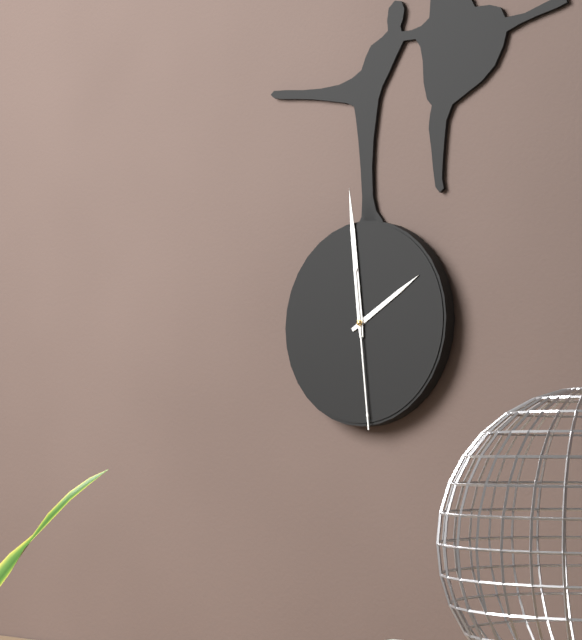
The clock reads 1:59:29
